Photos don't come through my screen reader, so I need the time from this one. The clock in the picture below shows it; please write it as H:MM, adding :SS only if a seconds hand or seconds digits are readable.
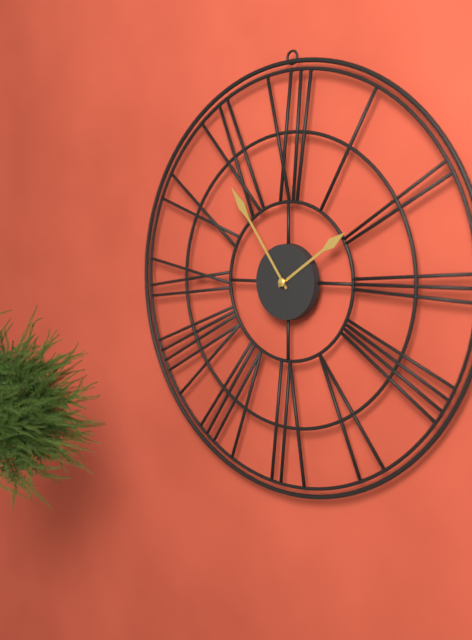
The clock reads 1:54
